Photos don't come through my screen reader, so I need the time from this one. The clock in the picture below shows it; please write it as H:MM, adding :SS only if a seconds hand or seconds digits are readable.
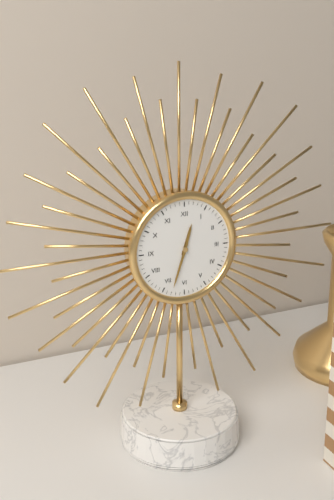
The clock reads 12:33
